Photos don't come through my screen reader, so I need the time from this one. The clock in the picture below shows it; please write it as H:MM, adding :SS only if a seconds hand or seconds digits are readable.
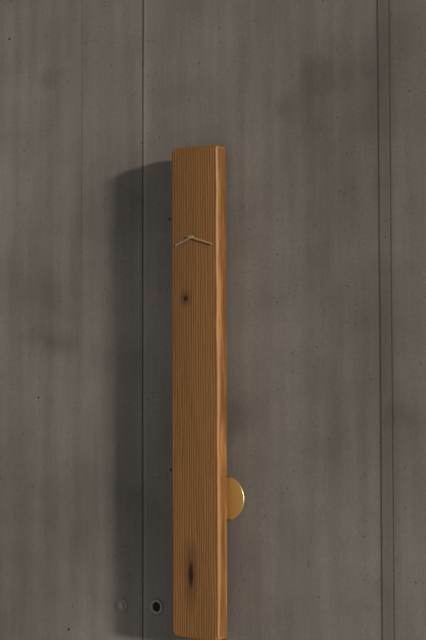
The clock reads 8:18
